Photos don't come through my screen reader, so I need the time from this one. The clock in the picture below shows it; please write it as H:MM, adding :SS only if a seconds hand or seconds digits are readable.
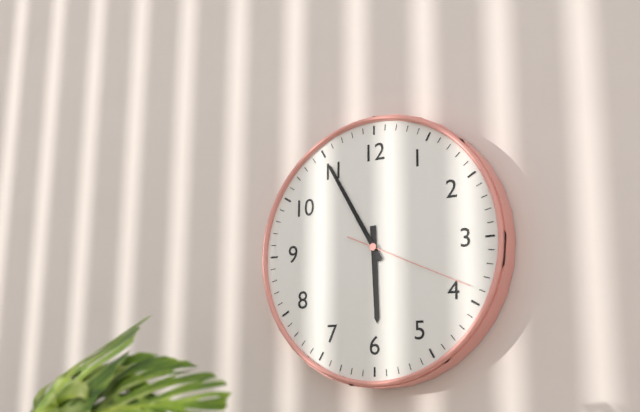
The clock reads 5:55:19
